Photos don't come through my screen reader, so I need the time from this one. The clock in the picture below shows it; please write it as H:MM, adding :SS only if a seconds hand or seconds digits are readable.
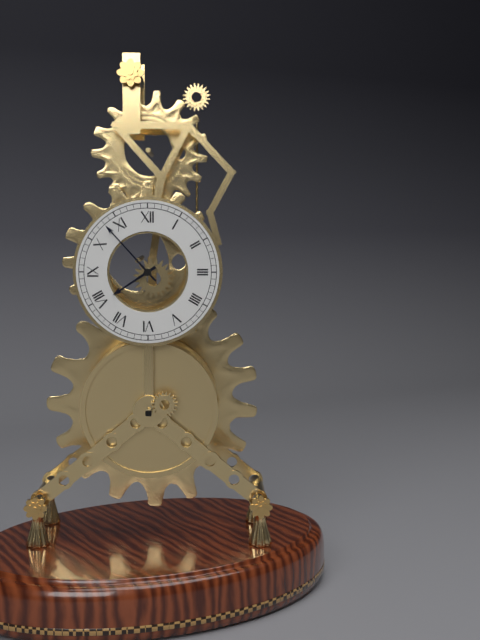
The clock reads 7:53
